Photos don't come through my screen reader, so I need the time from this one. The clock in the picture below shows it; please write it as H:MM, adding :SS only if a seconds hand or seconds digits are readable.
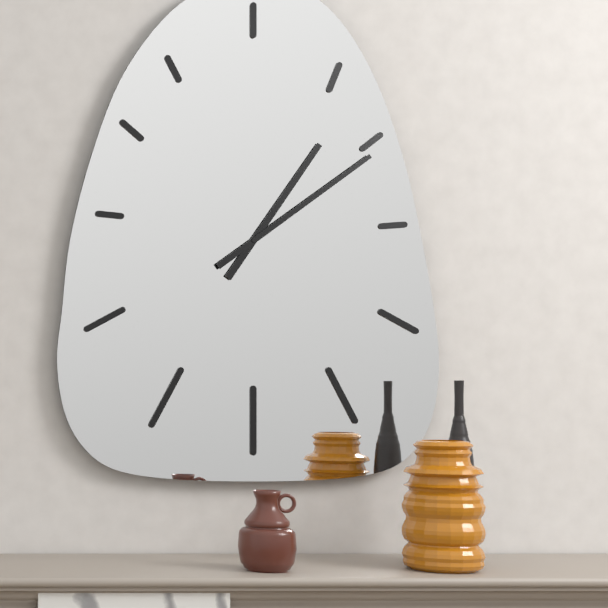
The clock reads 1:09
